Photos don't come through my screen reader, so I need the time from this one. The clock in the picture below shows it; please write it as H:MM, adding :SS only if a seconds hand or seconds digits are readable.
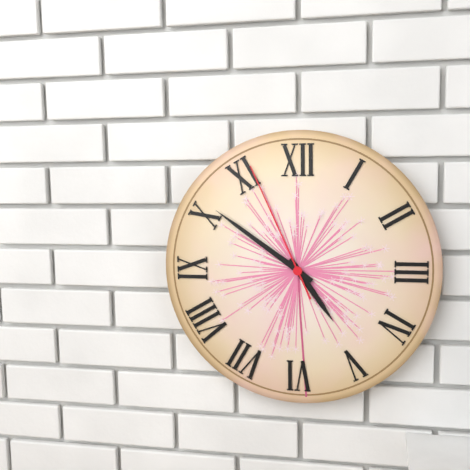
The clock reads 4:51:56
